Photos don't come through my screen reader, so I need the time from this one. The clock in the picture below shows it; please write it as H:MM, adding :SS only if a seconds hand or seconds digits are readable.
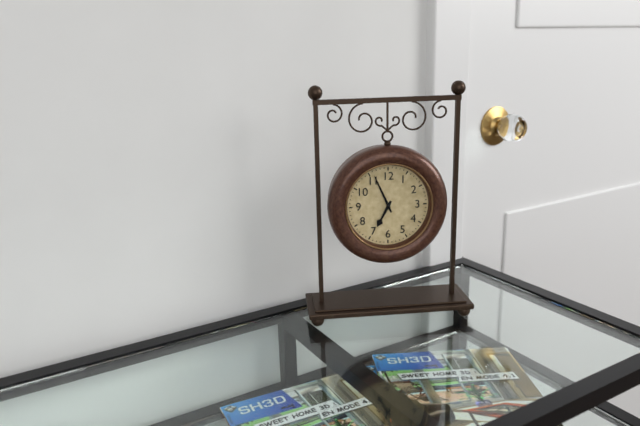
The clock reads 6:56
